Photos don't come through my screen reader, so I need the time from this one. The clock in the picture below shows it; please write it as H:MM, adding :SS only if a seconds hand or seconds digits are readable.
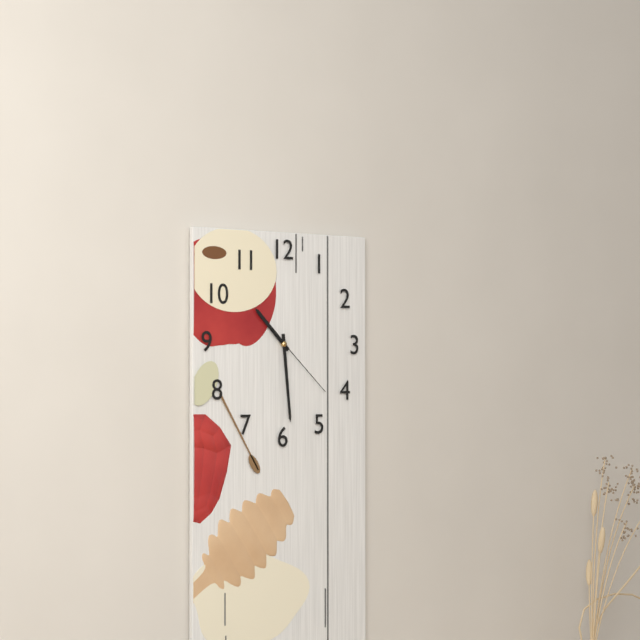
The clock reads 10:29:22
